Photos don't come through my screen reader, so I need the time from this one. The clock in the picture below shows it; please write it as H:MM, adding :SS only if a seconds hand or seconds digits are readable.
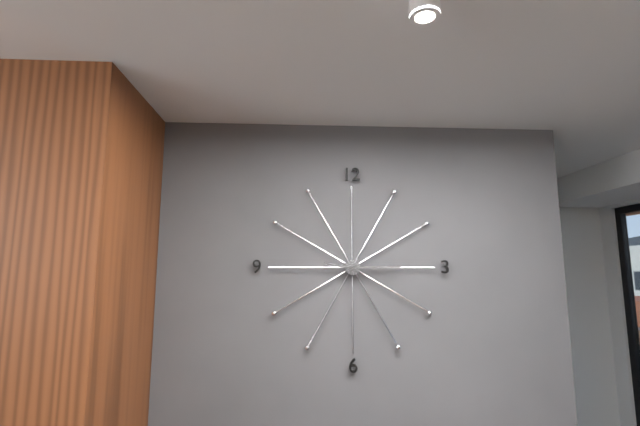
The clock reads 9:15
